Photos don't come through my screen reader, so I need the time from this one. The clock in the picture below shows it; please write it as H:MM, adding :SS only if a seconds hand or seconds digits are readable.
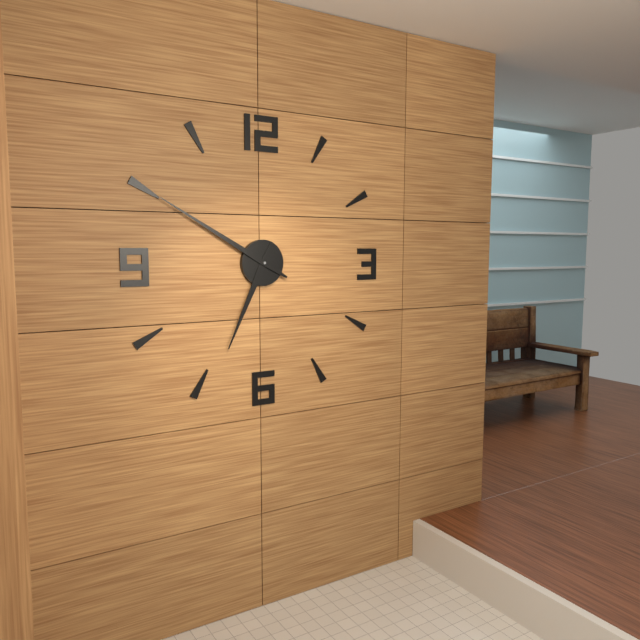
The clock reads 6:50
